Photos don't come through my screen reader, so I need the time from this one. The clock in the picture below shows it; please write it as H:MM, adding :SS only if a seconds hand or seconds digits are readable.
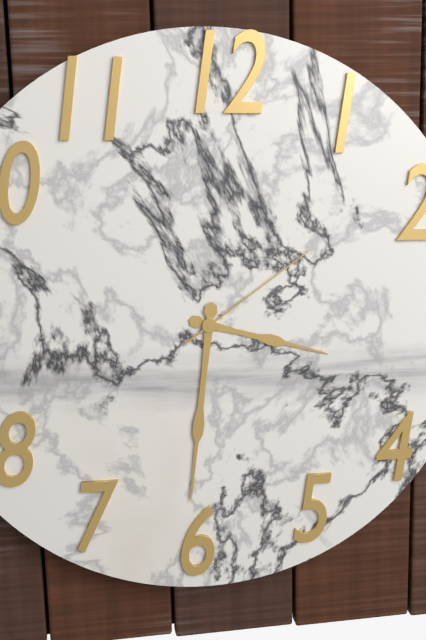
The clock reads 3:31:09
